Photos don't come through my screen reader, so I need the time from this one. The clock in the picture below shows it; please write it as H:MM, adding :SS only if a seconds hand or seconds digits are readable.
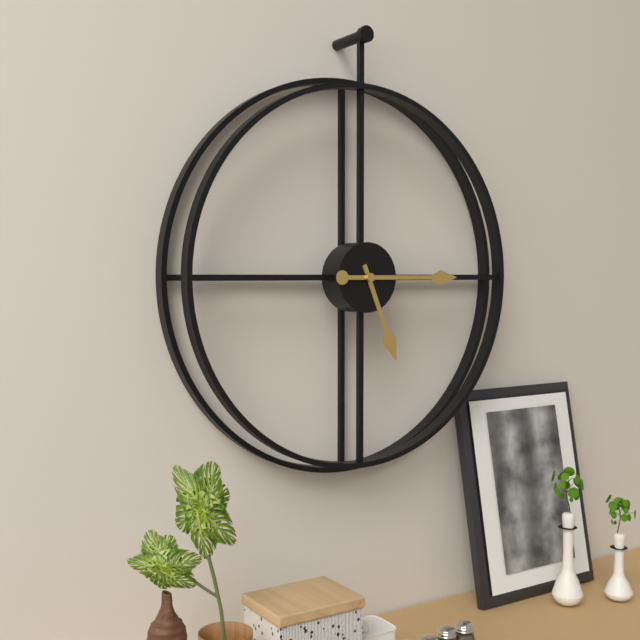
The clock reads 5:15
